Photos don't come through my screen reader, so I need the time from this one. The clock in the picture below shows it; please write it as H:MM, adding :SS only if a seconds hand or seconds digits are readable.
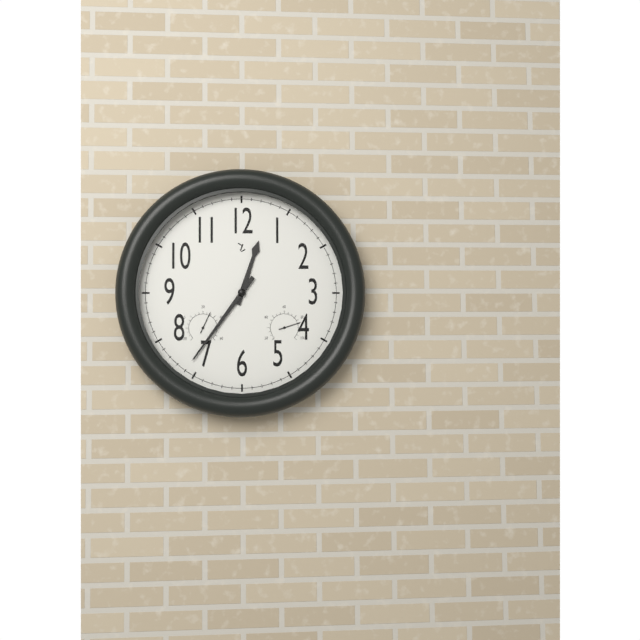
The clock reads 12:36
